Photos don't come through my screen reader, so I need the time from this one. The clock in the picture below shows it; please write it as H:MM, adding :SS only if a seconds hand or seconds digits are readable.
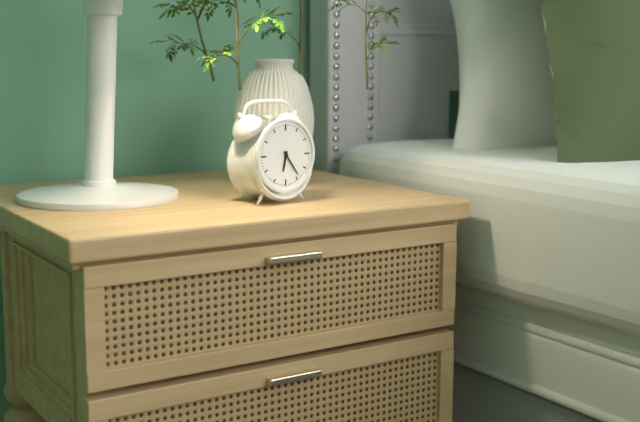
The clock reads 6:24
